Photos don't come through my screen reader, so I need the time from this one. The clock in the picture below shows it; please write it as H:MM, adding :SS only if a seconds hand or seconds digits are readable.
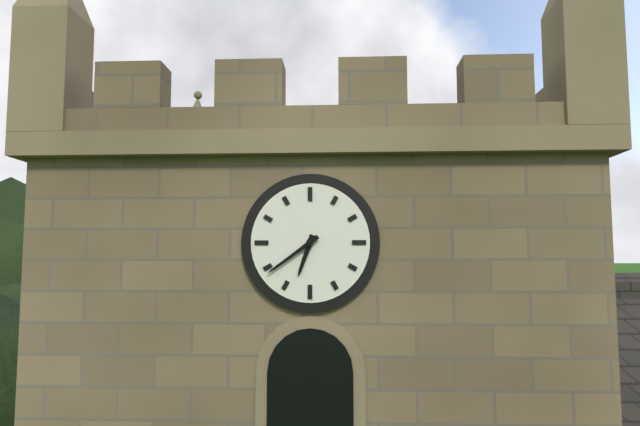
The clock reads 6:39
